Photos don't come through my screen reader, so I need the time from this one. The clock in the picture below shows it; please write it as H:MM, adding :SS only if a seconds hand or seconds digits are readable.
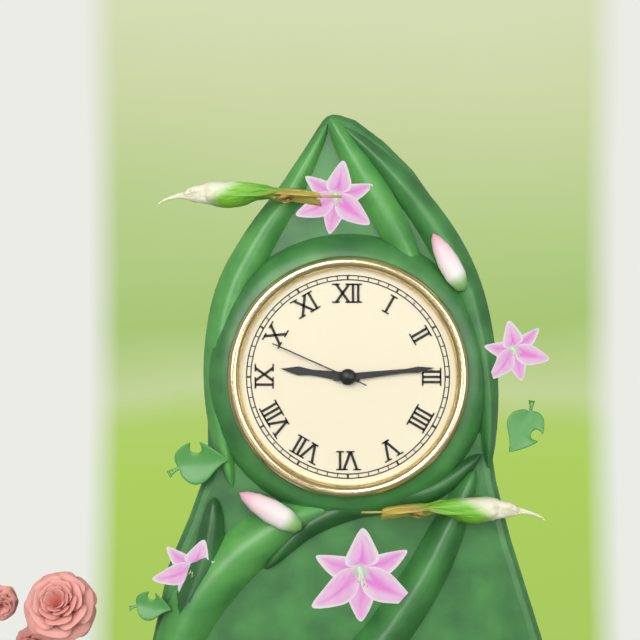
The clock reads 9:14:49
